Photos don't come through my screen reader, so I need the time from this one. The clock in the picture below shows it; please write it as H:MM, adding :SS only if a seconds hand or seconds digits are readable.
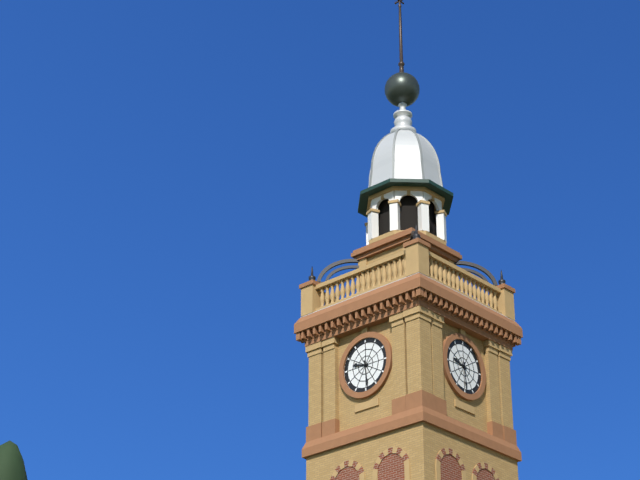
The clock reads 9:29
